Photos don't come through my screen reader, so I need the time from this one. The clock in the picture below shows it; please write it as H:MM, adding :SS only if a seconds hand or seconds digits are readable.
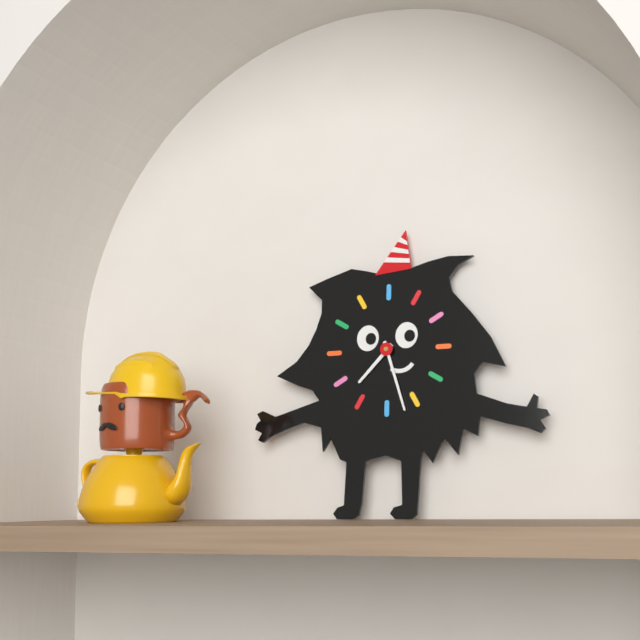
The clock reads 7:27
